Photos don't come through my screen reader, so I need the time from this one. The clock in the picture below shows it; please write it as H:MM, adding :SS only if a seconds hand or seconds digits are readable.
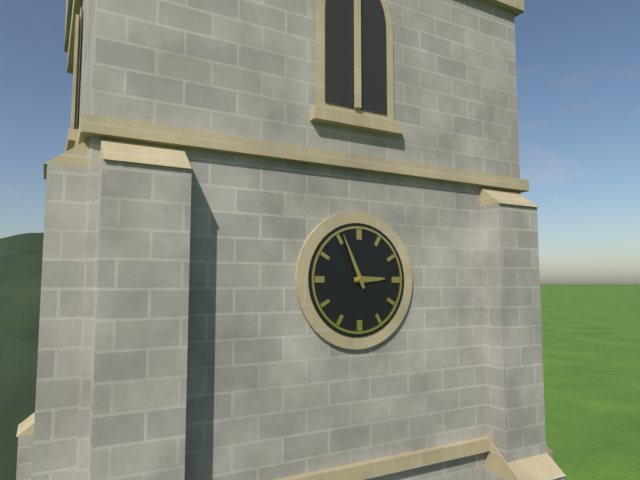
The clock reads 2:56
